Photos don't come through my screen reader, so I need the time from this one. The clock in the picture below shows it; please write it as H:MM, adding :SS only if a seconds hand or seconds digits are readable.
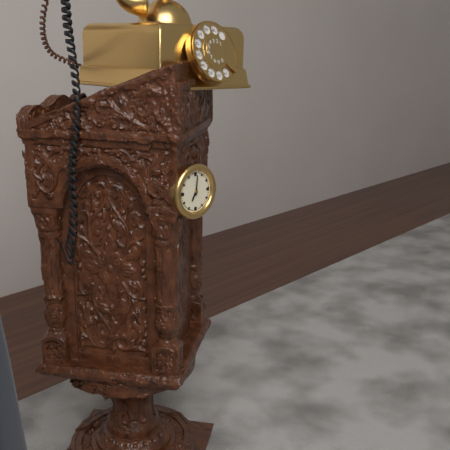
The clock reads 7:01
